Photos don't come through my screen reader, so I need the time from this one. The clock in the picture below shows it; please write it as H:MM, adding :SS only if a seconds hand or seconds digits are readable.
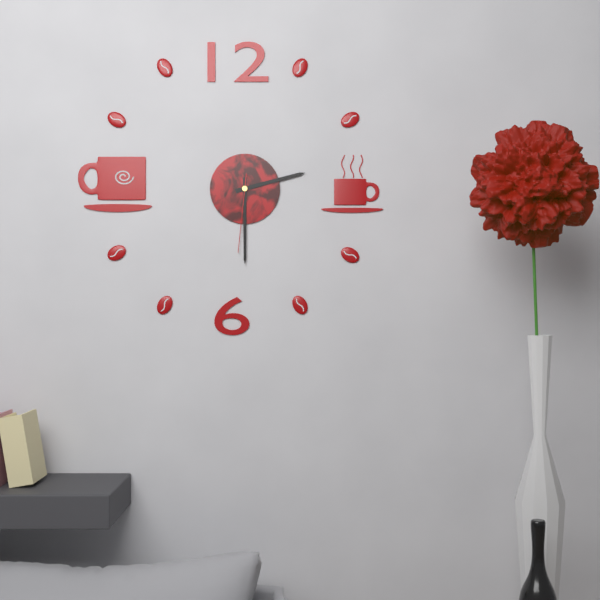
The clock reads 2:30:31
